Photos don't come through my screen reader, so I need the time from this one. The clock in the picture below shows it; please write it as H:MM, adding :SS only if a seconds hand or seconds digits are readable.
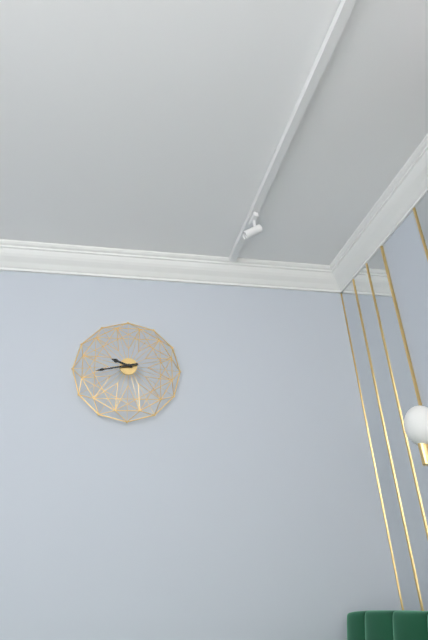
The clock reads 9:43
